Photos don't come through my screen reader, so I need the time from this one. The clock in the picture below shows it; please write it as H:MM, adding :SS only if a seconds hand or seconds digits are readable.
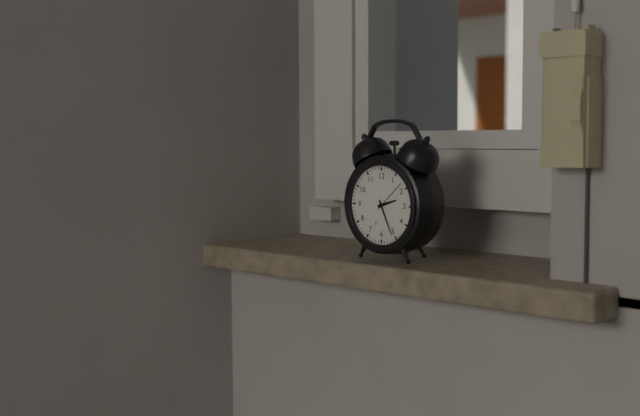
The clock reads 2:26
